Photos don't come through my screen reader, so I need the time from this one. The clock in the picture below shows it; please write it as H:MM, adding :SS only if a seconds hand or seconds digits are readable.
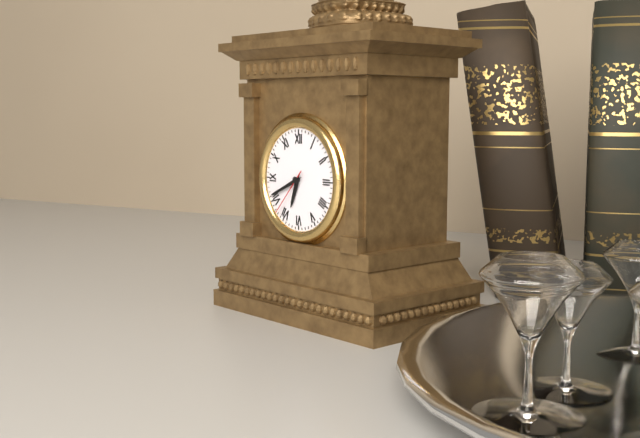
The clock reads 6:41
